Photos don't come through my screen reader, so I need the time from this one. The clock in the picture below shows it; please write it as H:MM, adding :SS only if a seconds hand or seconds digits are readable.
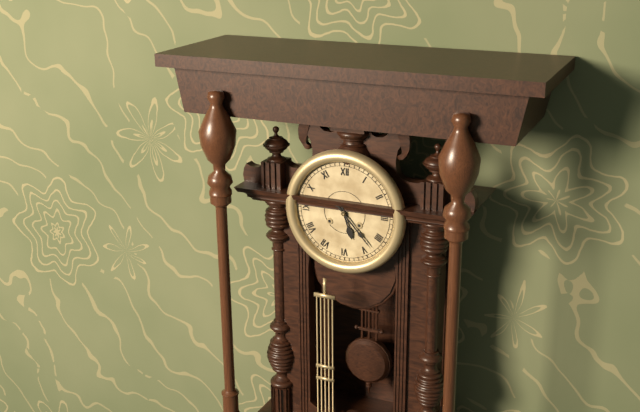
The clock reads 5:23
